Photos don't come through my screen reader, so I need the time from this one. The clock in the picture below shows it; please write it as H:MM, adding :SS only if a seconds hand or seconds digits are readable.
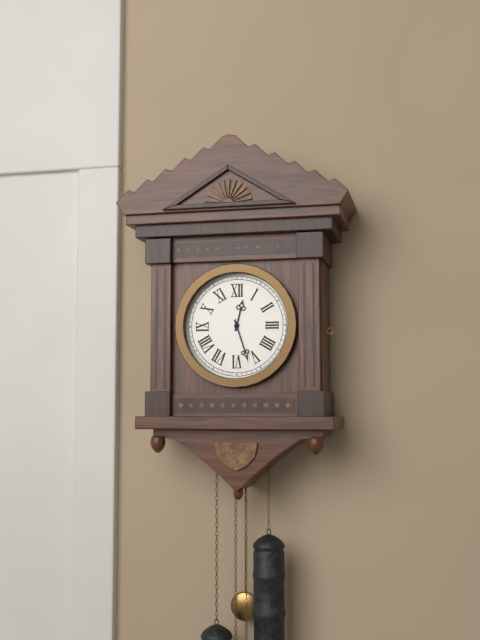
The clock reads 12:27
